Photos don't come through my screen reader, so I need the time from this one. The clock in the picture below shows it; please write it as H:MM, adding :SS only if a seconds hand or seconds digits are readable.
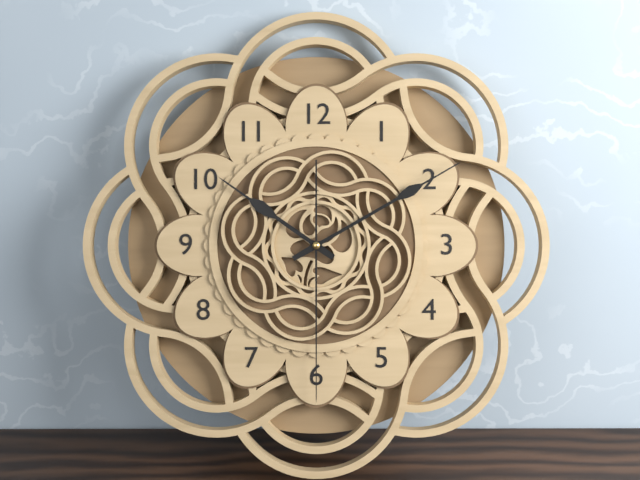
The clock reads 10:10:30
